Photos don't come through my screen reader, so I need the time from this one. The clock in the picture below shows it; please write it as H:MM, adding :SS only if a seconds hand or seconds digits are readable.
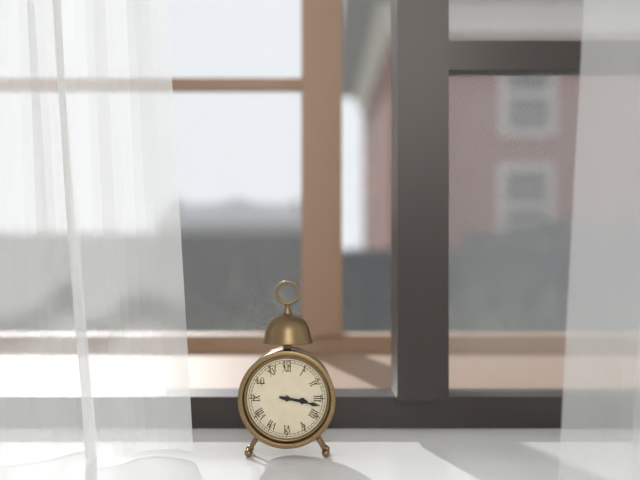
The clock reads 3:17
